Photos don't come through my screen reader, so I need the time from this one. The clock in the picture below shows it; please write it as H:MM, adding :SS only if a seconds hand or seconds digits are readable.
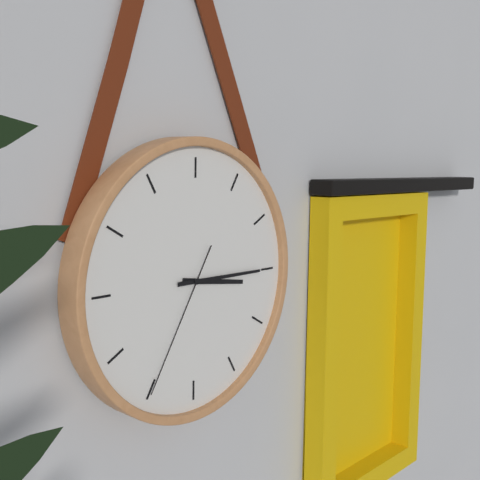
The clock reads 3:15:35
